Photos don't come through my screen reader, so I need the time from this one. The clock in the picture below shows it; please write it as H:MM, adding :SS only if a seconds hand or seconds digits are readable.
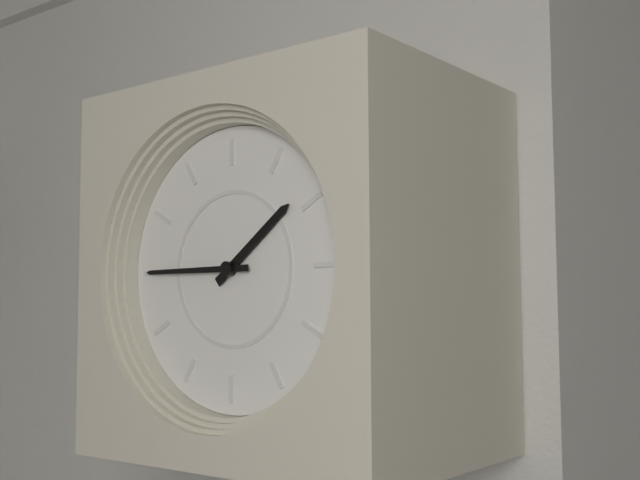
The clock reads 1:45
